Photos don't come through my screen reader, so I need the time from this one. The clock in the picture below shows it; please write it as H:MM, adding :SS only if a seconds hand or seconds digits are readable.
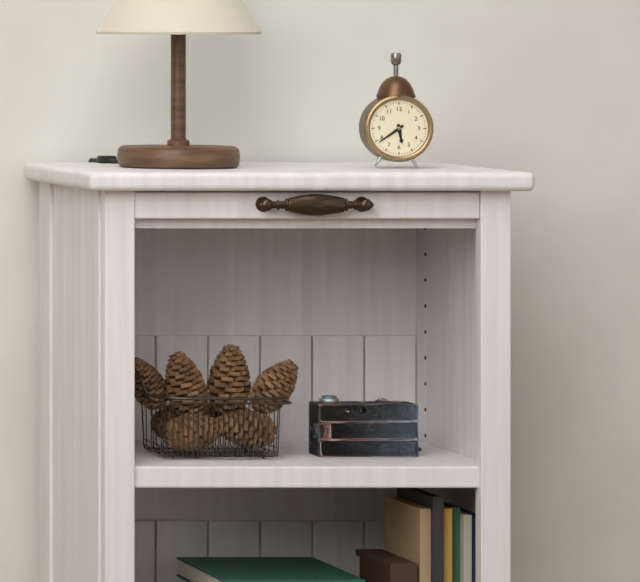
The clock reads 5:39
